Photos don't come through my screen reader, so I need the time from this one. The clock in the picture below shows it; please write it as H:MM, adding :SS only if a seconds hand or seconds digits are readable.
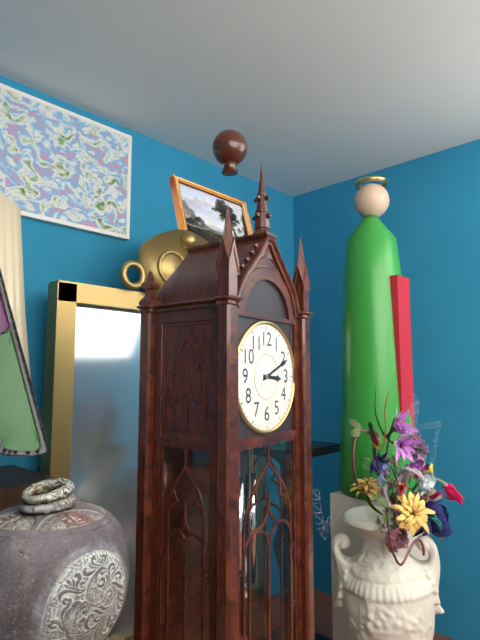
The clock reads 3:11
